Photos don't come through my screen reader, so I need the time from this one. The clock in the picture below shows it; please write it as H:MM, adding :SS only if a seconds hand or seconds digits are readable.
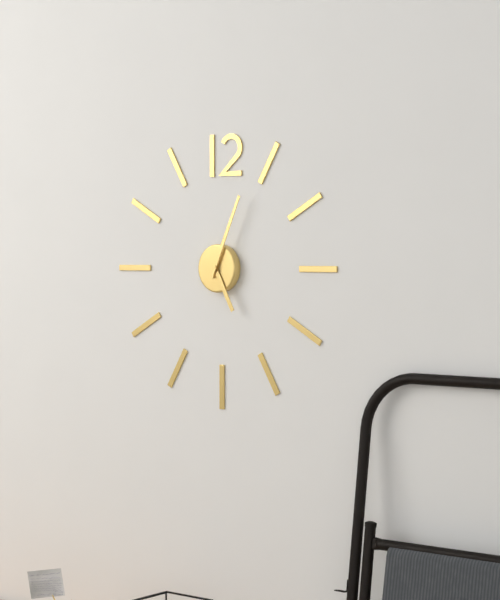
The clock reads 5:04
